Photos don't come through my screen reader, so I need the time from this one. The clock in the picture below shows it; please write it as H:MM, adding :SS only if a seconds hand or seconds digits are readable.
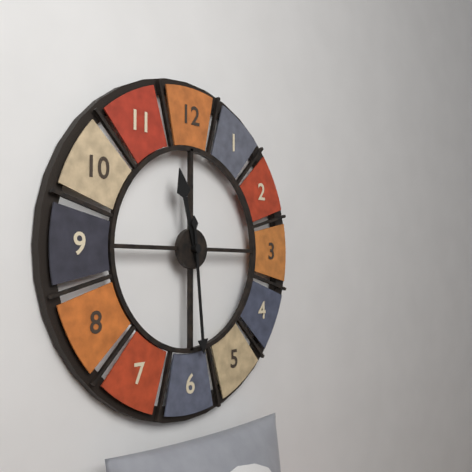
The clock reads 11:29
